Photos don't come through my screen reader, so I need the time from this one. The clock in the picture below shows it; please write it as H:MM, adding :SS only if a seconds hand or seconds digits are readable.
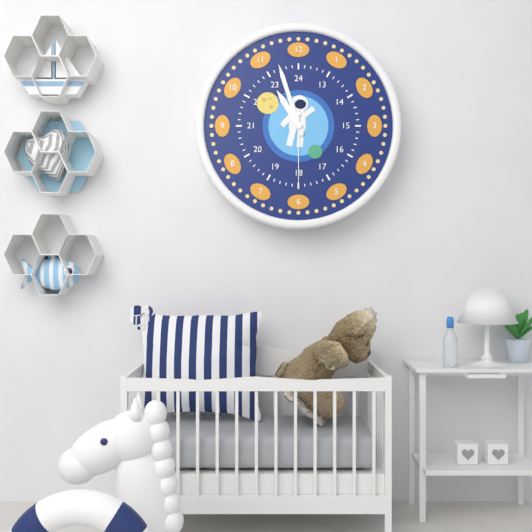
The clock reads 10:57:30
